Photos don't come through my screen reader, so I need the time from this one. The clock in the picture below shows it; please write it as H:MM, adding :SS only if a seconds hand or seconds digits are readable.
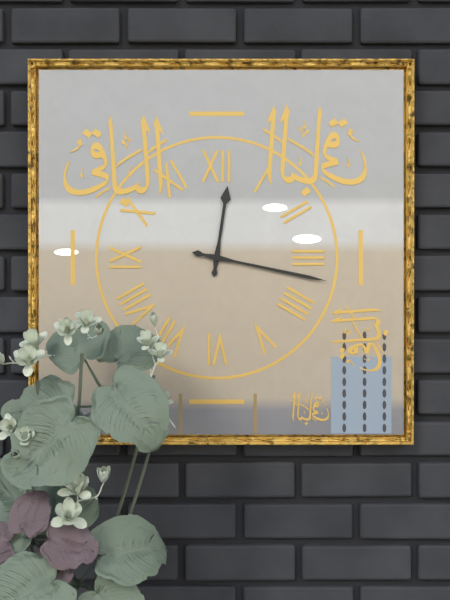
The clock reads 12:17
